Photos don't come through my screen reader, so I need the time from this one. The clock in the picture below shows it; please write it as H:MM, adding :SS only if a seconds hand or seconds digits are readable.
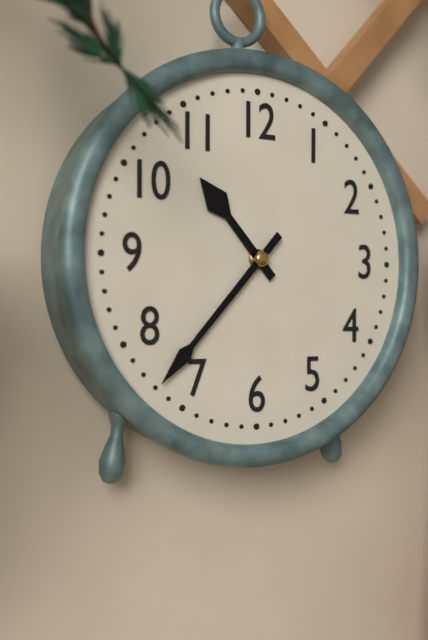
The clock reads 10:37
